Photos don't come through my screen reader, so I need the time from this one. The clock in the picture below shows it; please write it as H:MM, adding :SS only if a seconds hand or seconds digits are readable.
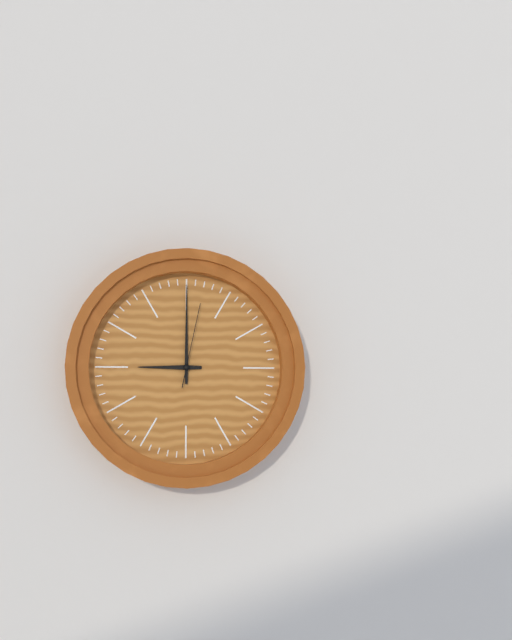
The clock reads 9:00:02
